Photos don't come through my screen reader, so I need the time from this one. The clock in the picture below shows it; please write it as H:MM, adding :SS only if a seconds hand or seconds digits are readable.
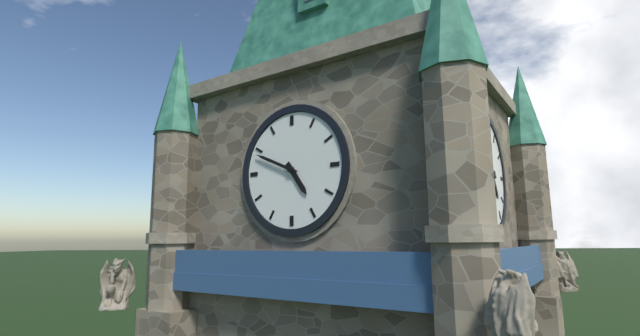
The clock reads 4:49
